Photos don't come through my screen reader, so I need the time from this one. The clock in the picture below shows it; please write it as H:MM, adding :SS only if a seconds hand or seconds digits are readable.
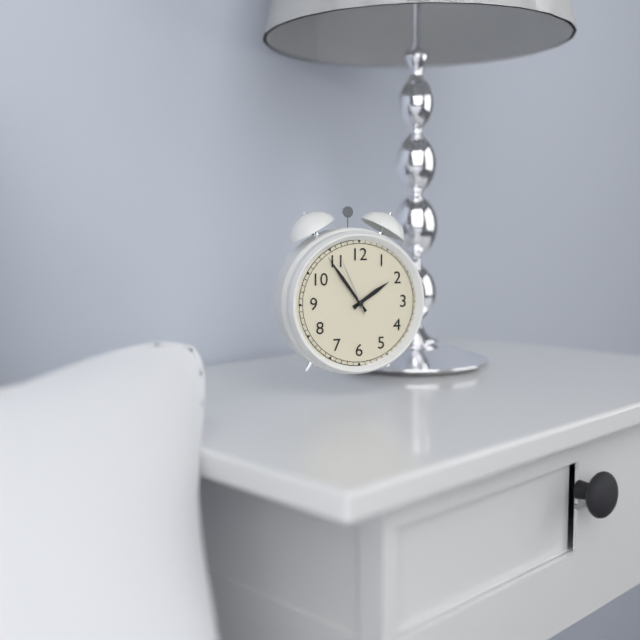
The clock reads 1:54:56
